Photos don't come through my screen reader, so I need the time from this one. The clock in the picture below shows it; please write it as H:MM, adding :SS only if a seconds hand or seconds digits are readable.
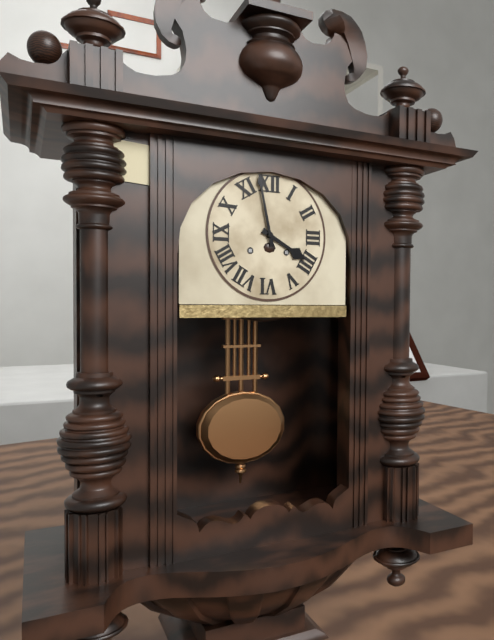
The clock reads 3:58
